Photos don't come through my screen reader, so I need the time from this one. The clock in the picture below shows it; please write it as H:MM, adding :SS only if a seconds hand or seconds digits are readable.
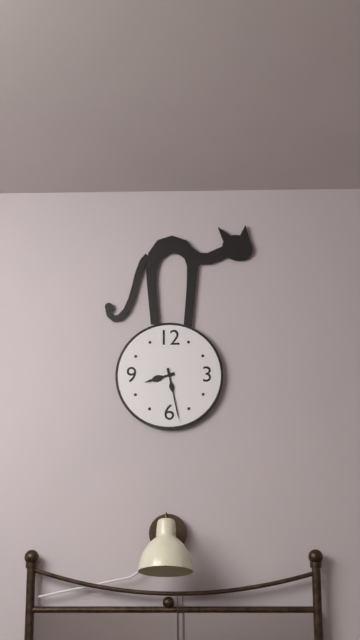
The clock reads 8:28
